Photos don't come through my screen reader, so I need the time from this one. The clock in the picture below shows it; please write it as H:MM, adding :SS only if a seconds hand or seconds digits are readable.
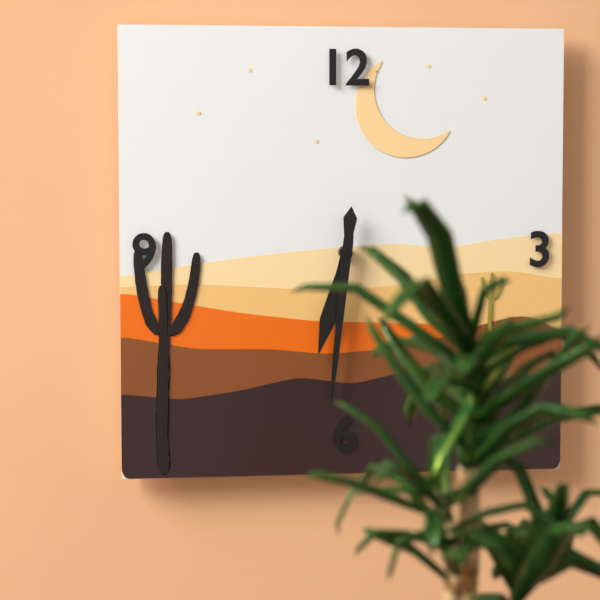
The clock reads 6:31
